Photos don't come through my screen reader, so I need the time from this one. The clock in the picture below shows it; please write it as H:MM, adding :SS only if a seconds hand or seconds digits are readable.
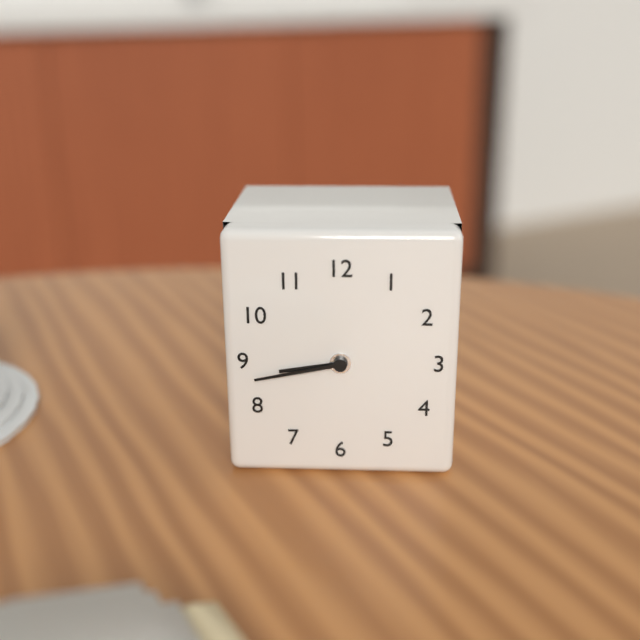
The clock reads 8:43
